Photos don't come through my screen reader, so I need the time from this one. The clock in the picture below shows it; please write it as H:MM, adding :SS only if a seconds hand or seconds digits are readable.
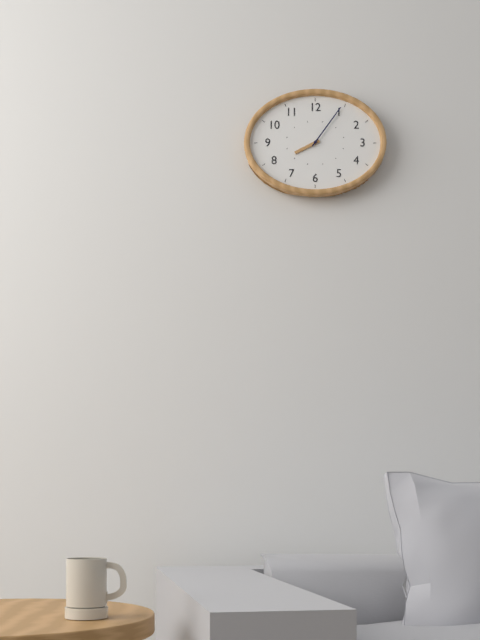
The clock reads 8:06
